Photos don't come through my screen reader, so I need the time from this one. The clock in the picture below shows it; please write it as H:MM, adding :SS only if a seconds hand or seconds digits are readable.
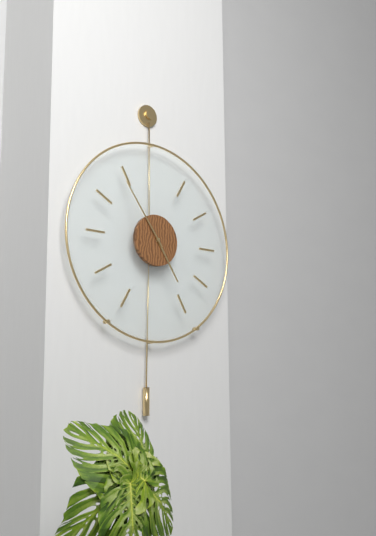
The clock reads 4:54
